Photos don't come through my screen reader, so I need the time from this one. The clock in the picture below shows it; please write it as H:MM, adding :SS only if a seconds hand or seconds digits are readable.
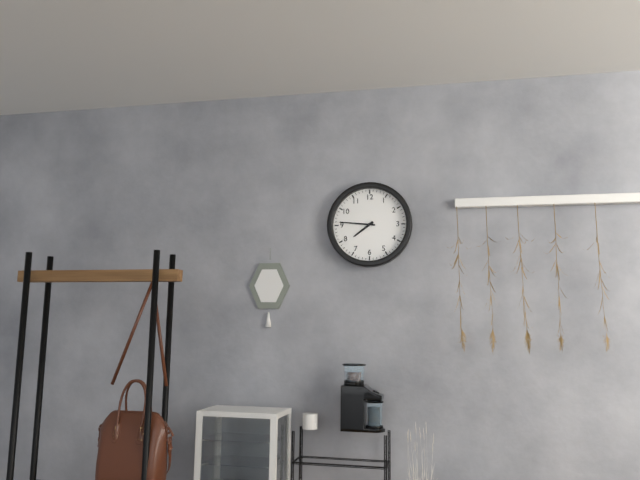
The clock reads 7:46
